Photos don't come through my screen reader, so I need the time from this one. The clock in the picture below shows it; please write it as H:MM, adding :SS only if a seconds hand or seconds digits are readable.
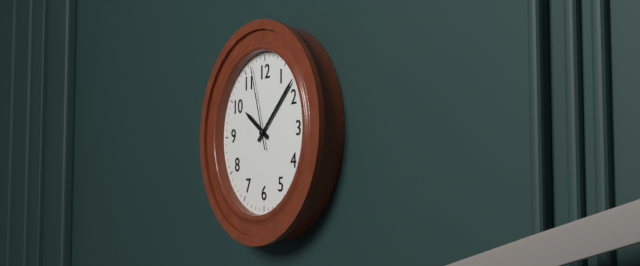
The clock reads 10:08:57
